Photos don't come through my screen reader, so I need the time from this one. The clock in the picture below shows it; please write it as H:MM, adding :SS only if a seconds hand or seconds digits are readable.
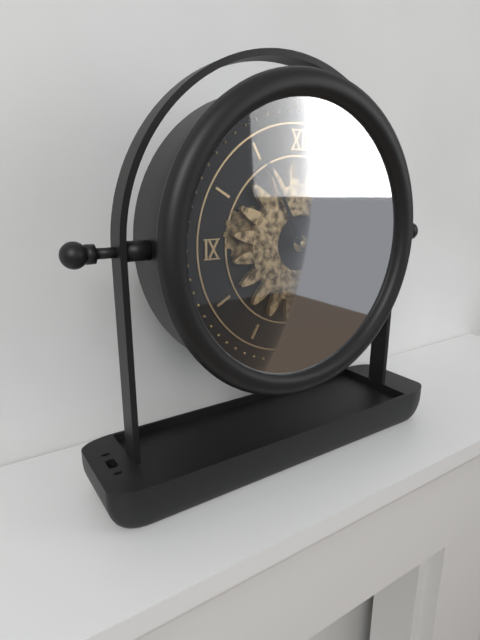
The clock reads 3:55
